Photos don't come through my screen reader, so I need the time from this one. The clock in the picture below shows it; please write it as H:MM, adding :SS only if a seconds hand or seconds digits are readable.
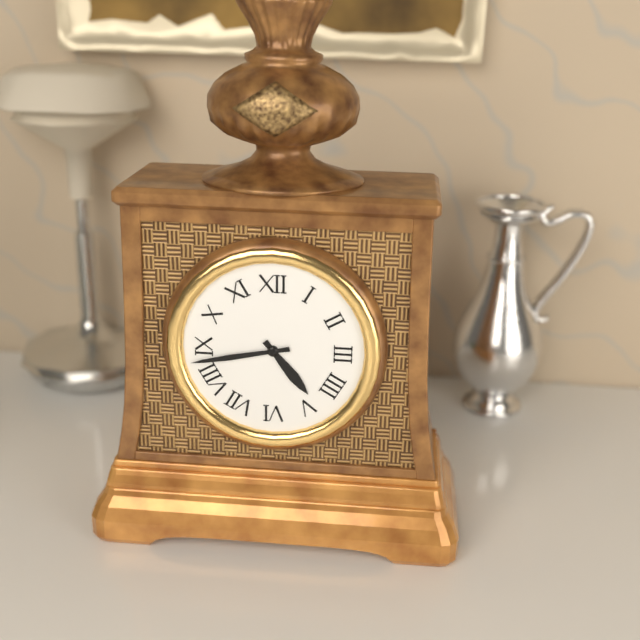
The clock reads 4:43
